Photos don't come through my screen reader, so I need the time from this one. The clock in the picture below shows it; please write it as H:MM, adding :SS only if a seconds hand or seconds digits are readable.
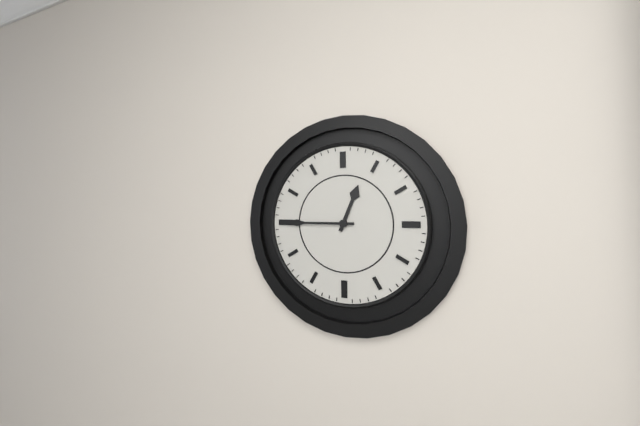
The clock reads 12:45
